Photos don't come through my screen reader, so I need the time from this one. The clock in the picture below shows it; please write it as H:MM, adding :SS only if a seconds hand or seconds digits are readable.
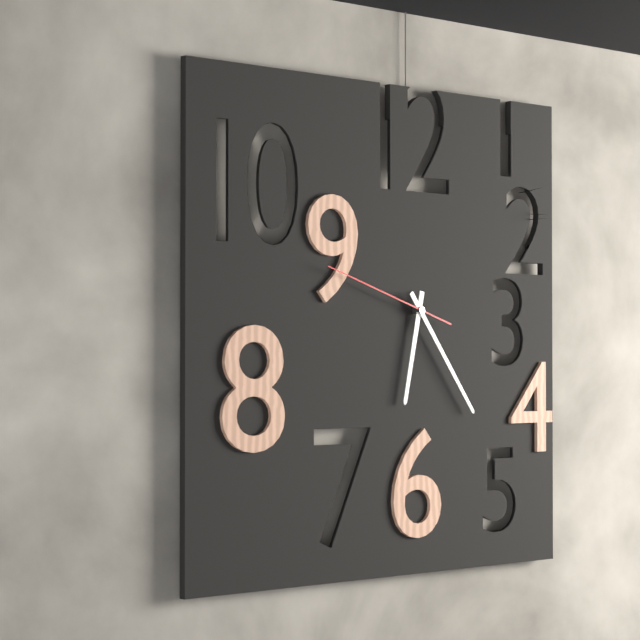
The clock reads 6:24:48
